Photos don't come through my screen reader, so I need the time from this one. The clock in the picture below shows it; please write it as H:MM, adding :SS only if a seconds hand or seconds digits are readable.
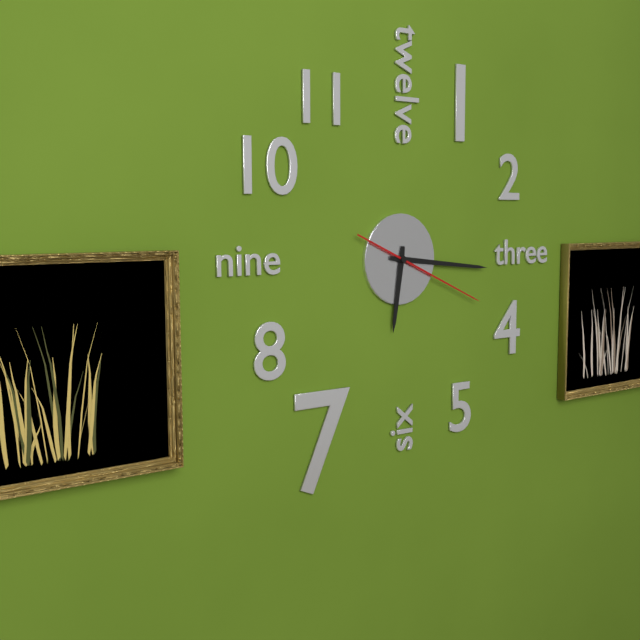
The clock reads 6:16:19
